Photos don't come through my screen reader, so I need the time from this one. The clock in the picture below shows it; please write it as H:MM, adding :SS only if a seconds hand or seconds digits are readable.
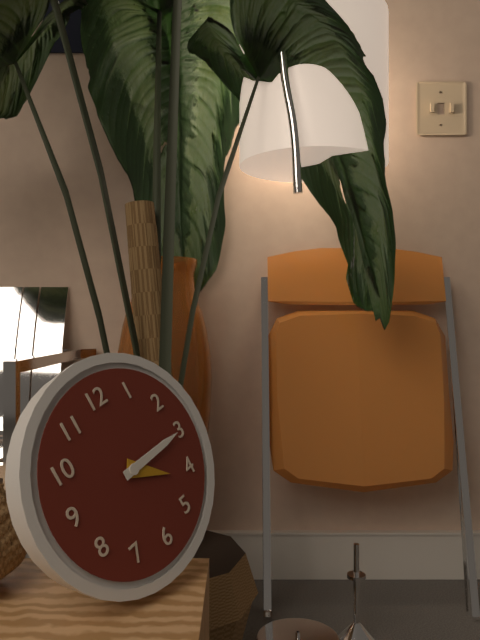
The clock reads 4:15
